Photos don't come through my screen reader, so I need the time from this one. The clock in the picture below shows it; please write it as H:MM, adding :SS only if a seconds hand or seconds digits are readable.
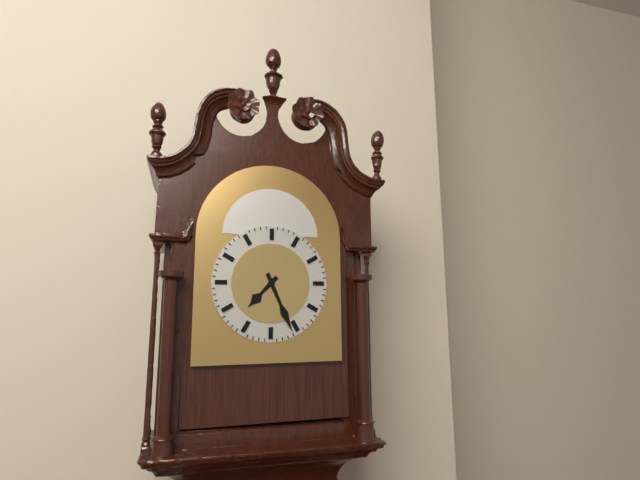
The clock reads 7:26
